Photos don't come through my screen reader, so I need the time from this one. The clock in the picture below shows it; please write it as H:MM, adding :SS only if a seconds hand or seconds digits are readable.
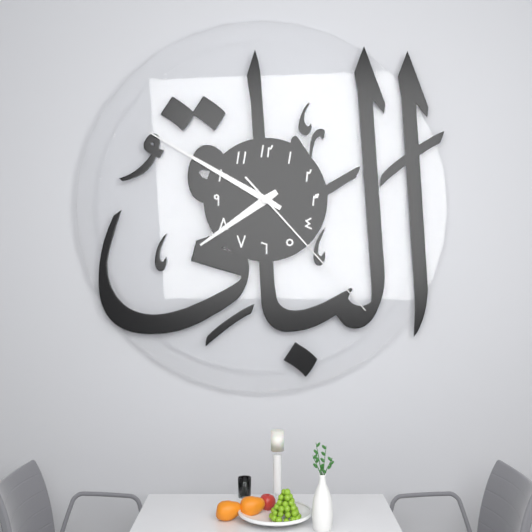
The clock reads 7:50:23
